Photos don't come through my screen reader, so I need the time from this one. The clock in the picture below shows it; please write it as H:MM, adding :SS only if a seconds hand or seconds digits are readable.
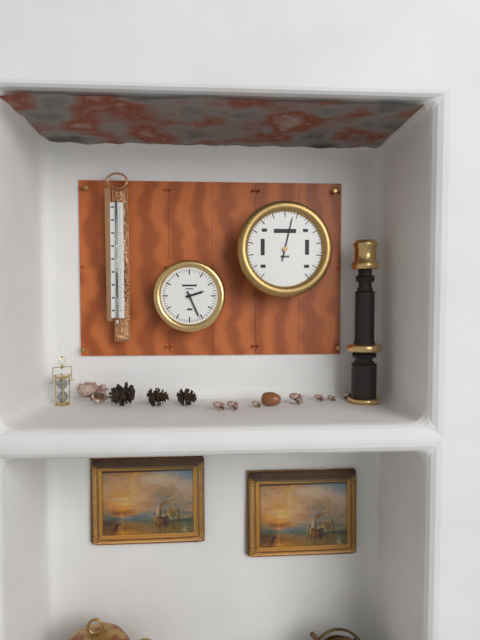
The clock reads 2:26
